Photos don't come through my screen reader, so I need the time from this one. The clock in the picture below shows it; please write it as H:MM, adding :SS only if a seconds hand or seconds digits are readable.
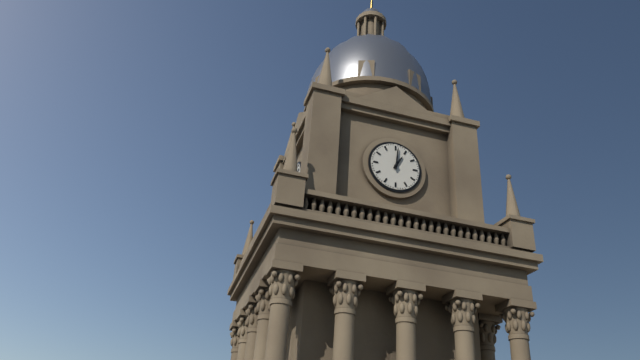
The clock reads 1:01
